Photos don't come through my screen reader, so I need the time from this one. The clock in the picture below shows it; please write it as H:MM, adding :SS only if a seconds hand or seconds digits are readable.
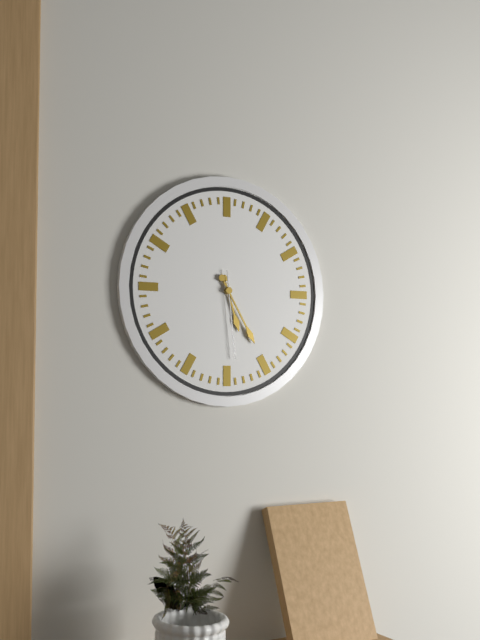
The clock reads 5:25:29
